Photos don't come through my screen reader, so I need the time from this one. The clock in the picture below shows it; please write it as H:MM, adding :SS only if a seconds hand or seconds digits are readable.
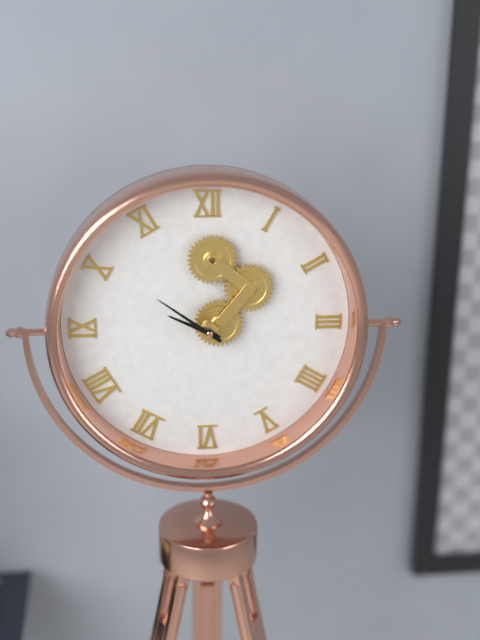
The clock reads 9:51
